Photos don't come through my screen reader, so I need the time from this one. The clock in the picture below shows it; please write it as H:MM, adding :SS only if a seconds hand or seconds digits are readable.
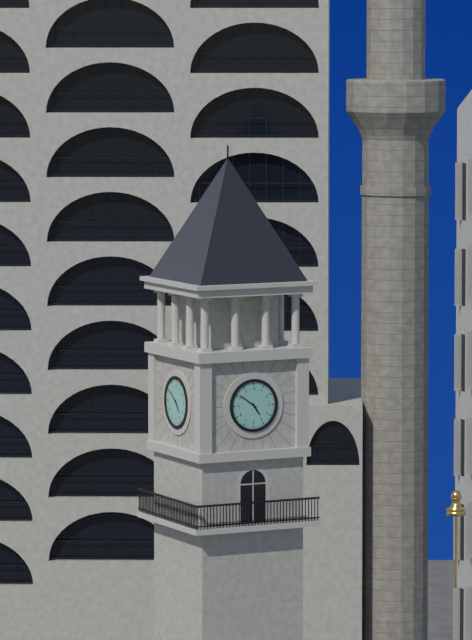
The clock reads 4:51
